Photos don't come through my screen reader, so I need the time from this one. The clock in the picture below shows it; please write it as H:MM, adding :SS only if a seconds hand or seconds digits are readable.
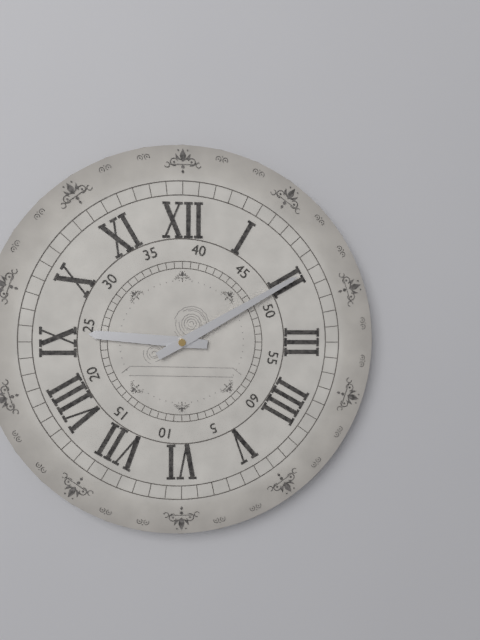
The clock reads 9:10
